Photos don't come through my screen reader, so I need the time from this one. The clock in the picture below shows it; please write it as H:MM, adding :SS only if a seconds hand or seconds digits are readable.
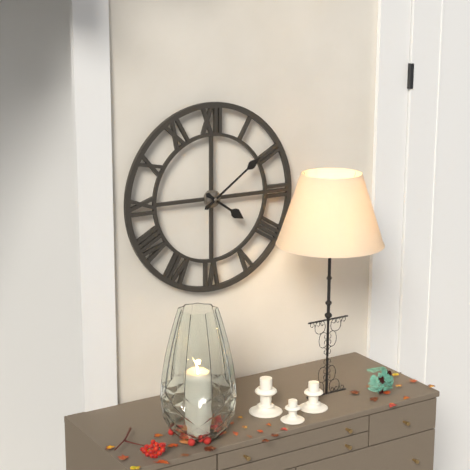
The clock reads 4:09
